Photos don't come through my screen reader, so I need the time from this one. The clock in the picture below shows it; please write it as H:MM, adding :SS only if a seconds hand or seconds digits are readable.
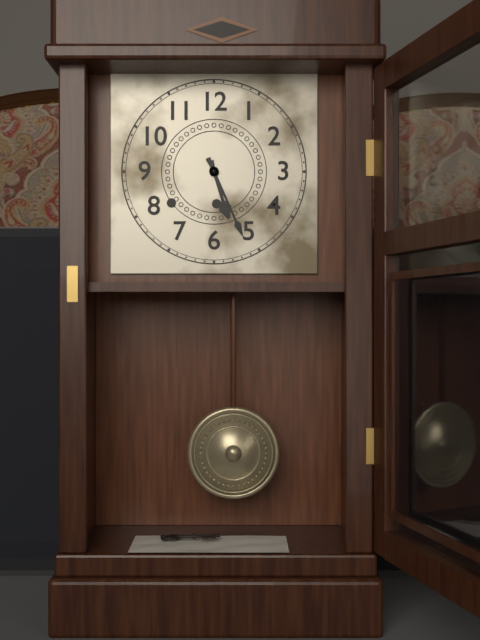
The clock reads 5:26
